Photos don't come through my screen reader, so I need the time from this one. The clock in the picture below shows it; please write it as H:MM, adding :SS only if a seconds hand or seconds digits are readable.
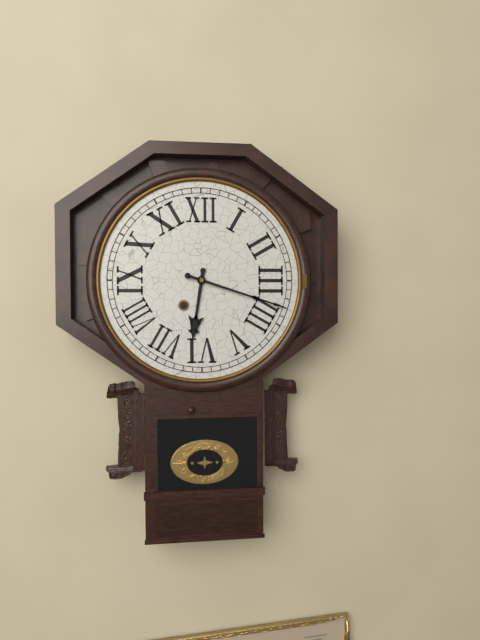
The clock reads 6:18
